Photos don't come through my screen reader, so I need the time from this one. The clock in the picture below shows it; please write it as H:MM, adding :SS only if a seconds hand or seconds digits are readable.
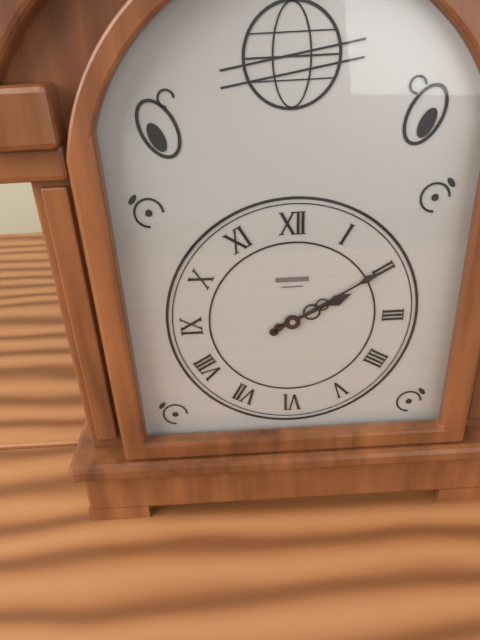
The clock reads 2:10
